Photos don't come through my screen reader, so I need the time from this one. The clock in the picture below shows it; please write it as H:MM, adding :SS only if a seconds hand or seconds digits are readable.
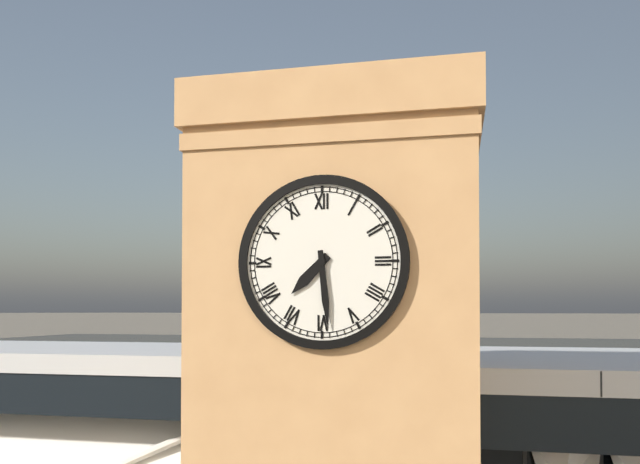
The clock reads 7:29
